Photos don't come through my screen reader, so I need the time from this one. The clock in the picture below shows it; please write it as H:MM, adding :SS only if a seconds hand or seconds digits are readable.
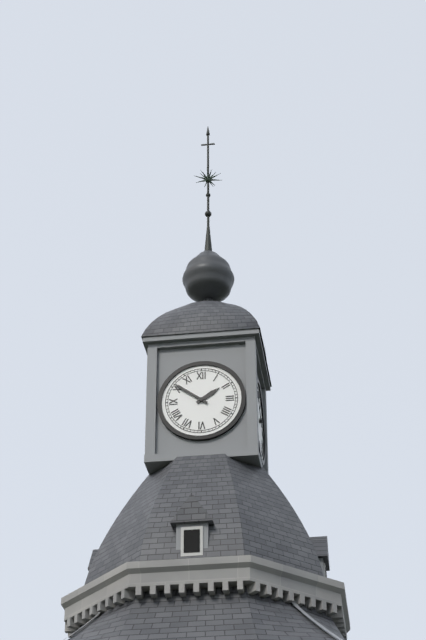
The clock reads 1:51
